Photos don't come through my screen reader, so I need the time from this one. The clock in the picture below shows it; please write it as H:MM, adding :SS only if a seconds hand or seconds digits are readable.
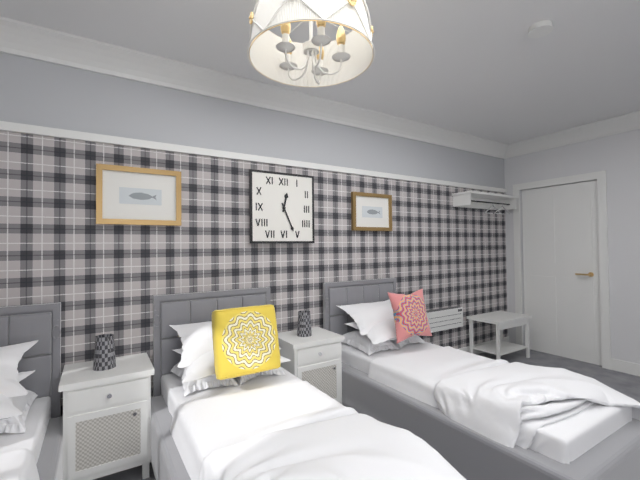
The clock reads 12:26
